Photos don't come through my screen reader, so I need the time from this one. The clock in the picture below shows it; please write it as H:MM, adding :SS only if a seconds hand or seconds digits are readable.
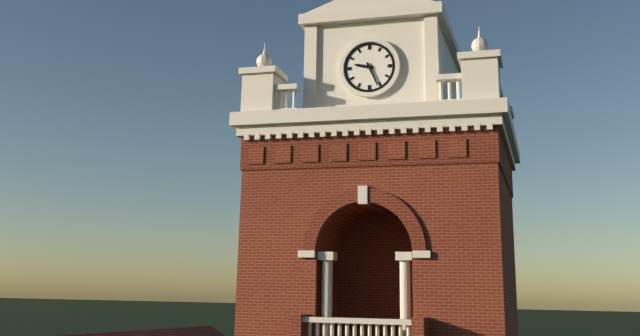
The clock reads 9:26
